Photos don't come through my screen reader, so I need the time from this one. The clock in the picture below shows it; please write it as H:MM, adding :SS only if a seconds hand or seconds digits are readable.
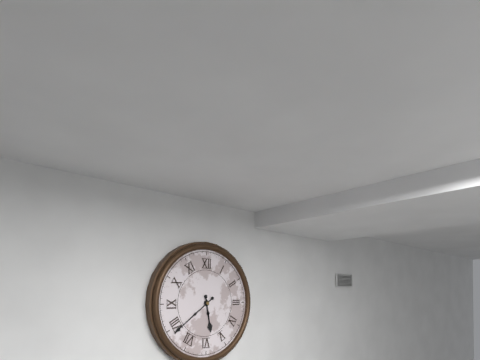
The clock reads 5:39
